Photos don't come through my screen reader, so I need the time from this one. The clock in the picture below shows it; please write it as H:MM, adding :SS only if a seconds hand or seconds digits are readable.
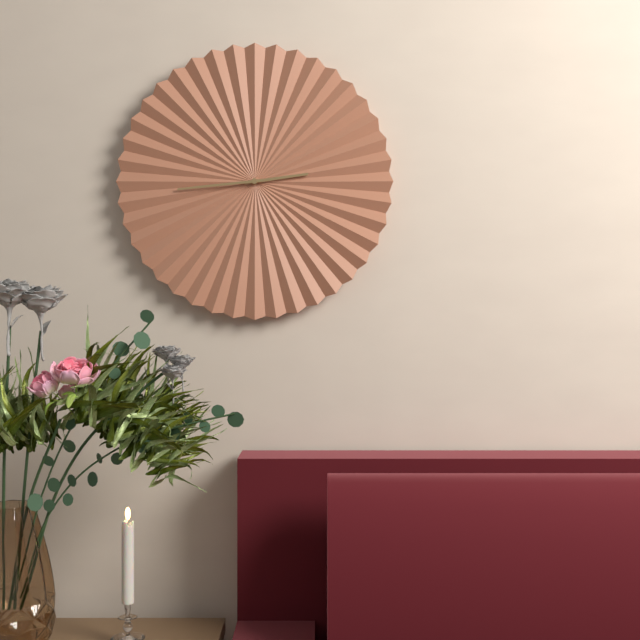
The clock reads 2:44
